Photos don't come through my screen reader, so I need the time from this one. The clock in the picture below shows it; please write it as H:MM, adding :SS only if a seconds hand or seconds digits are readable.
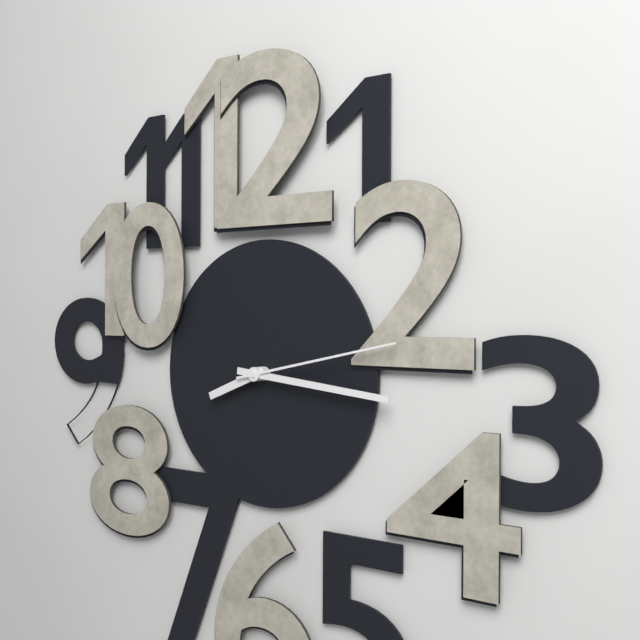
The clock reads 8:16:13
